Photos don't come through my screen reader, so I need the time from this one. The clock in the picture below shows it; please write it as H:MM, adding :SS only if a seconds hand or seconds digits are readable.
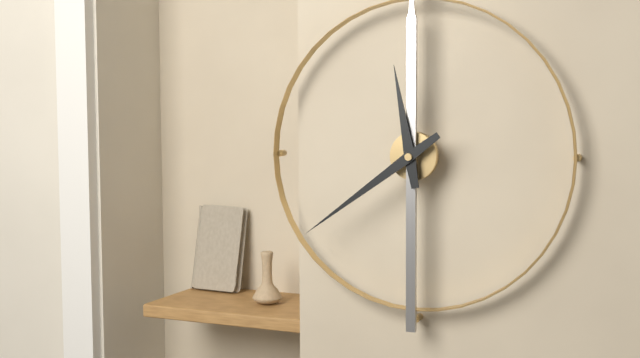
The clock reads 11:39
